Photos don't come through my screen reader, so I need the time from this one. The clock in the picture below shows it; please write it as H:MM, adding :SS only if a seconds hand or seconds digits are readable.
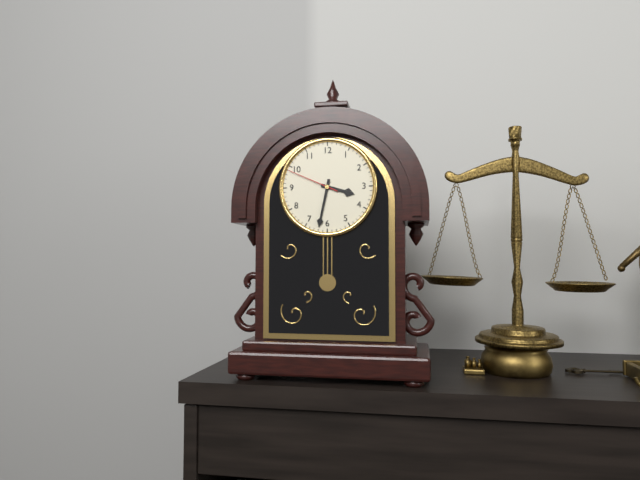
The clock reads 3:32:49
